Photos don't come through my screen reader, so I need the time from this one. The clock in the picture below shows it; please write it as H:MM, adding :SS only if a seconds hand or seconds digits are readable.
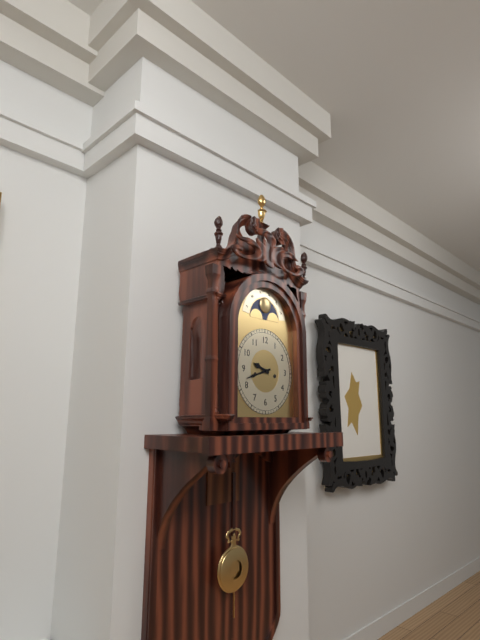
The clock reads 9:42
